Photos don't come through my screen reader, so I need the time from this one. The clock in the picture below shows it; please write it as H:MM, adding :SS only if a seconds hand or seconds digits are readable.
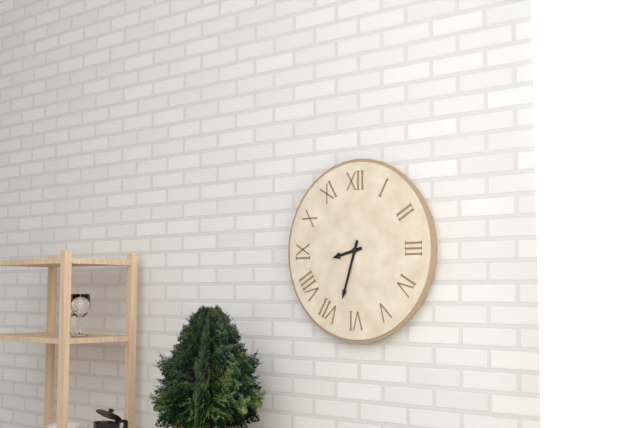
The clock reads 8:33
